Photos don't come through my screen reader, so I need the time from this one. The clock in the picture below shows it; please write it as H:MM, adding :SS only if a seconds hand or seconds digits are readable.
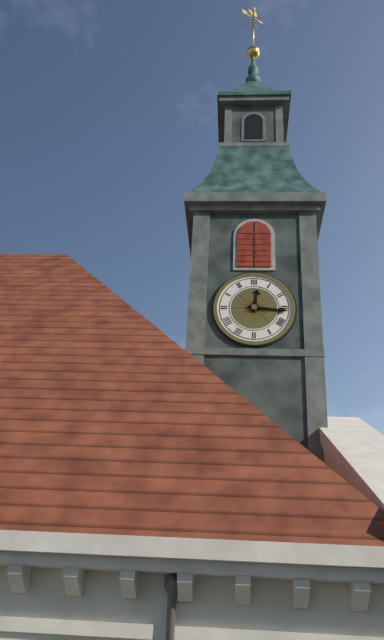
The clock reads 12:16
